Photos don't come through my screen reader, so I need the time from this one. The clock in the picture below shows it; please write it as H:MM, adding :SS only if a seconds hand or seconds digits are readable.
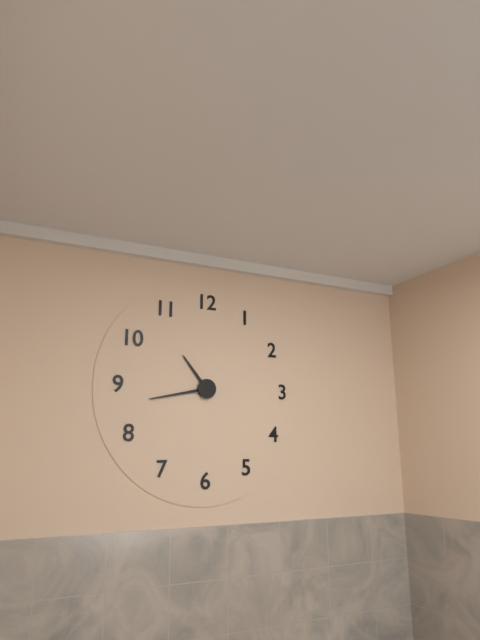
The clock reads 10:43
